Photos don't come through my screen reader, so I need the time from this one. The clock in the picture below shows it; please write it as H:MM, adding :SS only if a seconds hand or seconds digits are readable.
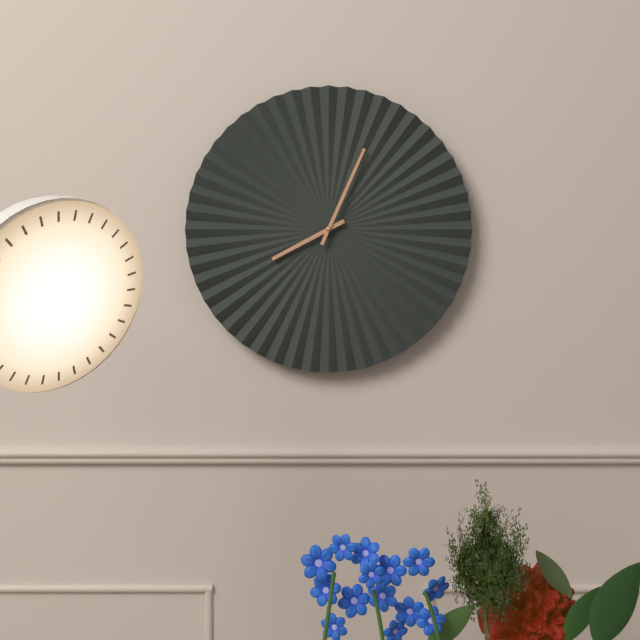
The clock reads 8:04
